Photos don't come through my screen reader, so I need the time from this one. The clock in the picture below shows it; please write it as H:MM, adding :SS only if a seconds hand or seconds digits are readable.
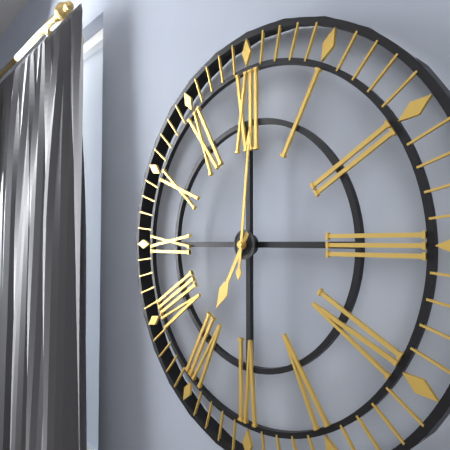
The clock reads 7:01
